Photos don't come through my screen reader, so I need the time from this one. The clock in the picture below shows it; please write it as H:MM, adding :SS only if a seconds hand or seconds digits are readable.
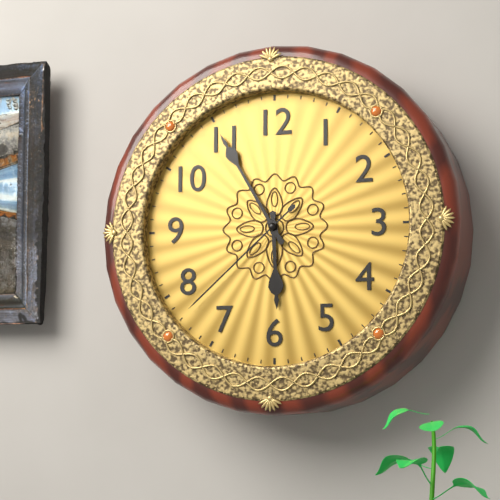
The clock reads 5:55:38
